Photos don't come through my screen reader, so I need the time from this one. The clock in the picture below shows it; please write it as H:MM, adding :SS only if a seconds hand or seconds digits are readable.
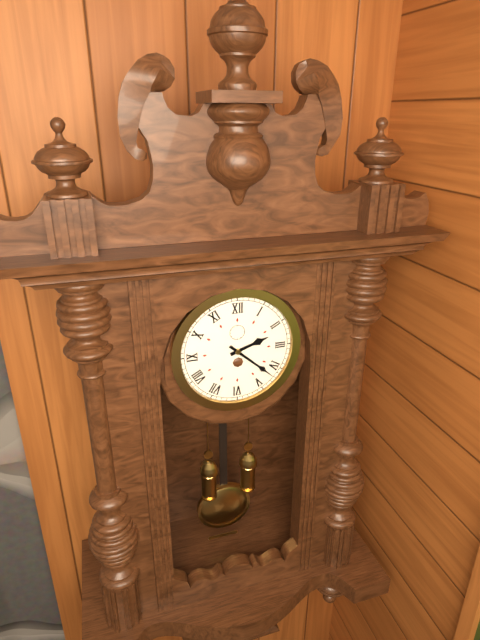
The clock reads 2:22
